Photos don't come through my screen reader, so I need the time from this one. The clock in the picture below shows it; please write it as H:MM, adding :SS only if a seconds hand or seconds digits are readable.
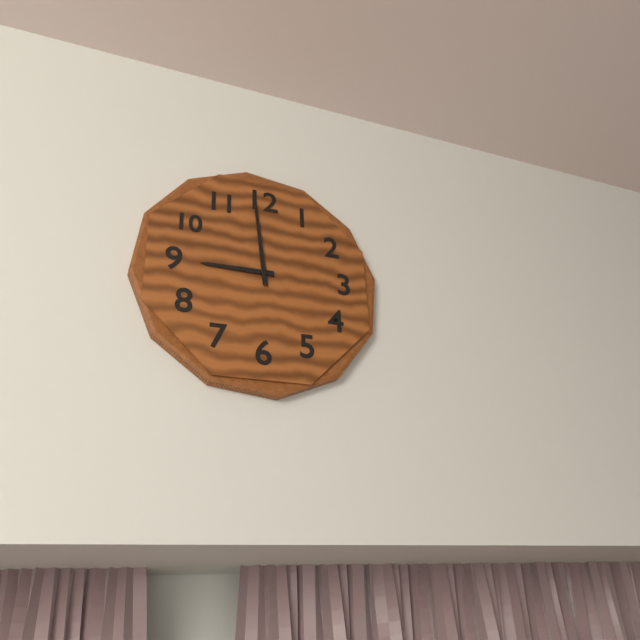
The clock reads 8:59
